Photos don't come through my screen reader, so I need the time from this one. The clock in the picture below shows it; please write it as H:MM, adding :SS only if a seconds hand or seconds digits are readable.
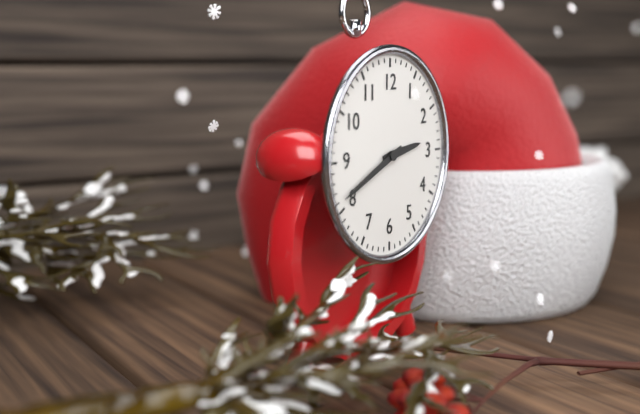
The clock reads 2:41
